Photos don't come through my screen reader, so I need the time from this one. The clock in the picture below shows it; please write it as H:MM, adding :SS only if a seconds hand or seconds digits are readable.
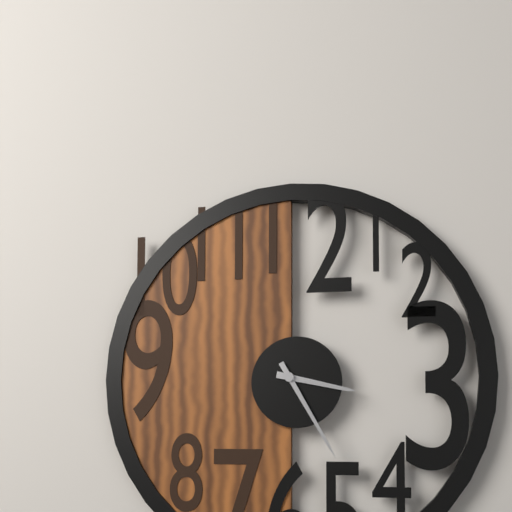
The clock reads 3:25
